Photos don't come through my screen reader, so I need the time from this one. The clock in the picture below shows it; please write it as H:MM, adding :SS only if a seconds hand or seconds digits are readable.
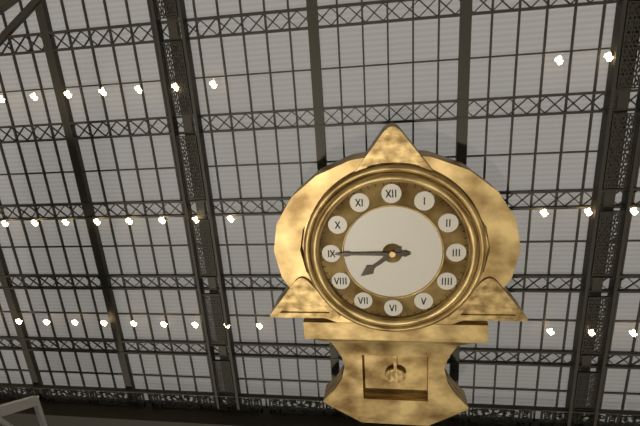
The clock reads 7:45
